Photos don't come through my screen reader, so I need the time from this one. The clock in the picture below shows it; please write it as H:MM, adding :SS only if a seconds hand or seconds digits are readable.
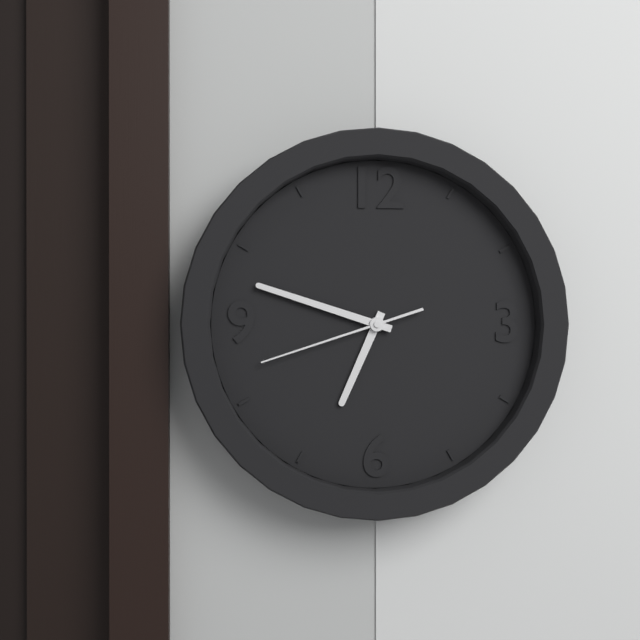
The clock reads 6:48:42
